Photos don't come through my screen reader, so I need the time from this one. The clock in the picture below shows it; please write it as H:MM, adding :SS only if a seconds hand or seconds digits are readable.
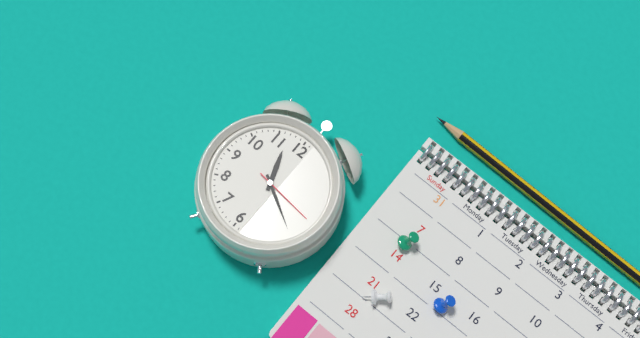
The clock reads 11:20:16
